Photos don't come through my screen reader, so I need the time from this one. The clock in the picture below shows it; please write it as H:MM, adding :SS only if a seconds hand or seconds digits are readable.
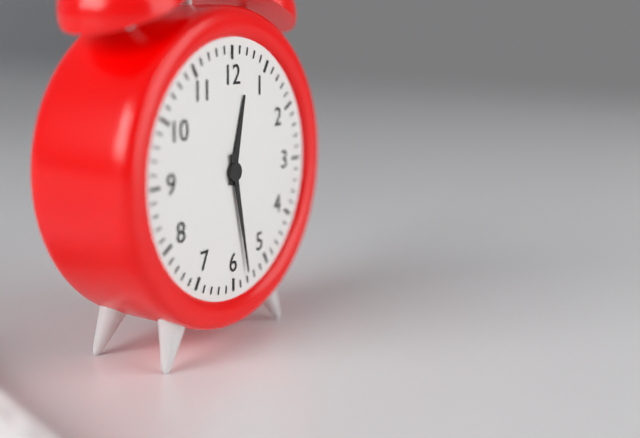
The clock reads 12:28
